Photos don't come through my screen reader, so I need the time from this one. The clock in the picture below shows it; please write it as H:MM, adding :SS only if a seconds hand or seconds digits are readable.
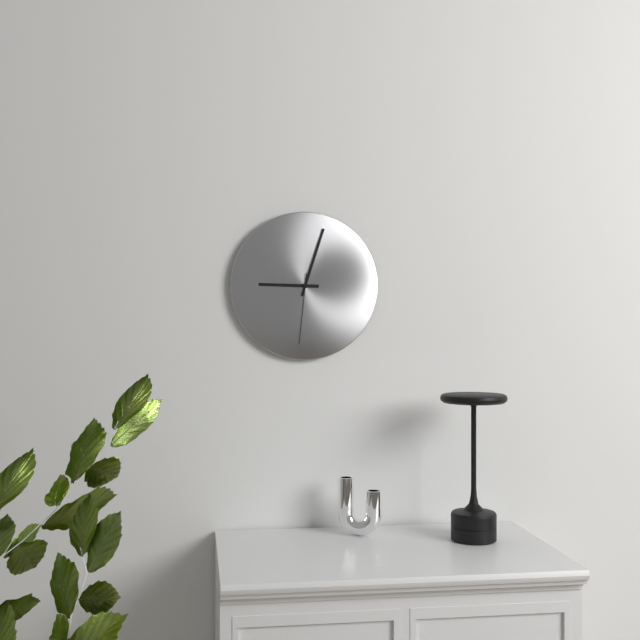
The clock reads 9:03:31
